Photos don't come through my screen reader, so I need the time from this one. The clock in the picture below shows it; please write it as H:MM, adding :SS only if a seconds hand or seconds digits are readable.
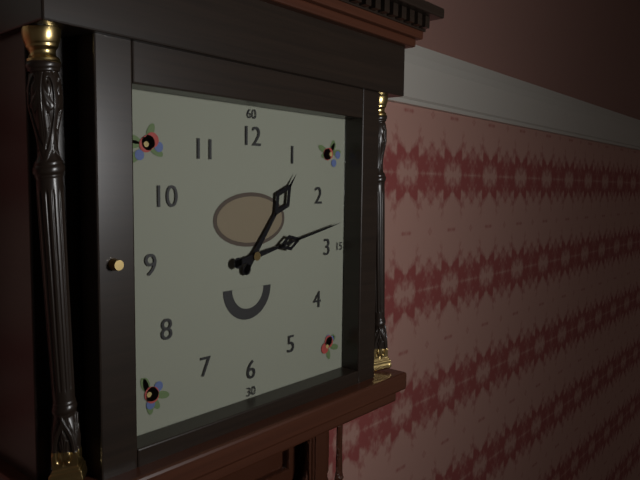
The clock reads 1:13
